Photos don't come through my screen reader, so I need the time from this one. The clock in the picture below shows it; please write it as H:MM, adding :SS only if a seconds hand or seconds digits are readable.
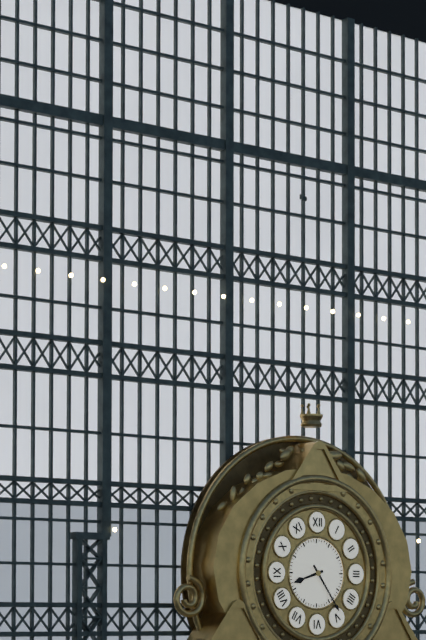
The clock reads 8:24
